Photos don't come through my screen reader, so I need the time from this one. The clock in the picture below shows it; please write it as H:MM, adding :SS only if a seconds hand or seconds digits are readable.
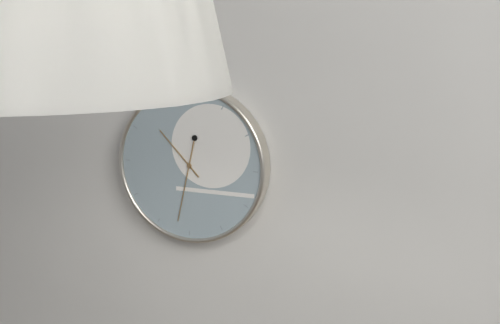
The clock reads 10:32
